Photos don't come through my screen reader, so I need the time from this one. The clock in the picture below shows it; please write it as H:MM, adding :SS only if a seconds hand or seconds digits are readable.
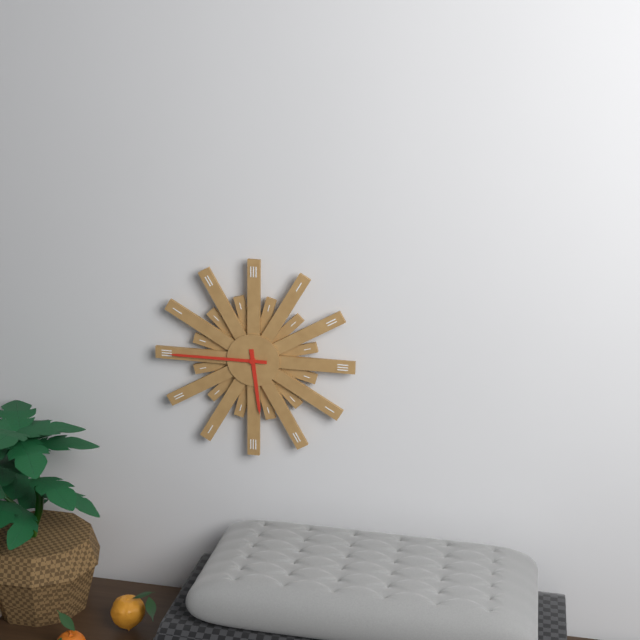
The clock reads 5:45
